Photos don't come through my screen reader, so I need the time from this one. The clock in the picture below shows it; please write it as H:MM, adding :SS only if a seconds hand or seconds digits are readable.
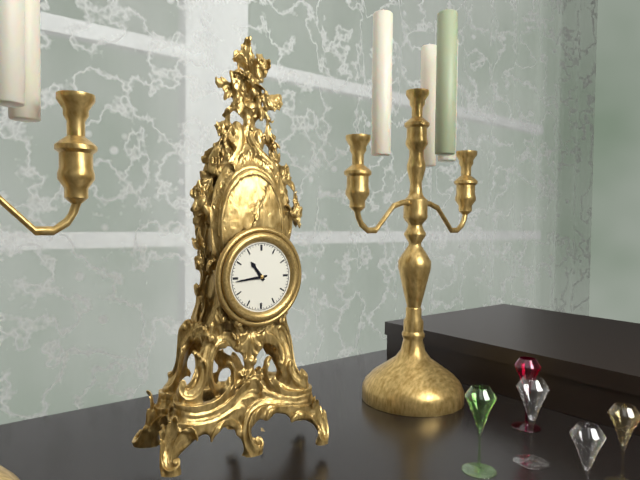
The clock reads 10:44
